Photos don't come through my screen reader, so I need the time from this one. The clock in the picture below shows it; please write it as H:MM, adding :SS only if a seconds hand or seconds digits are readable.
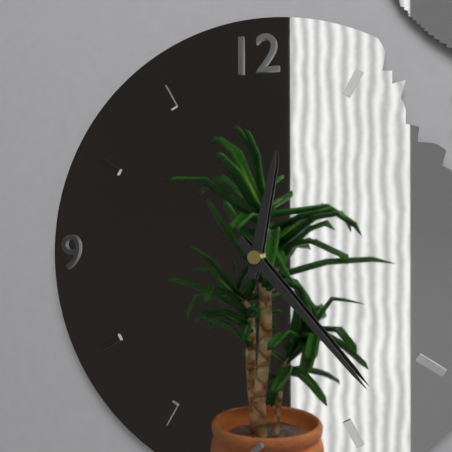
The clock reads 12:23
